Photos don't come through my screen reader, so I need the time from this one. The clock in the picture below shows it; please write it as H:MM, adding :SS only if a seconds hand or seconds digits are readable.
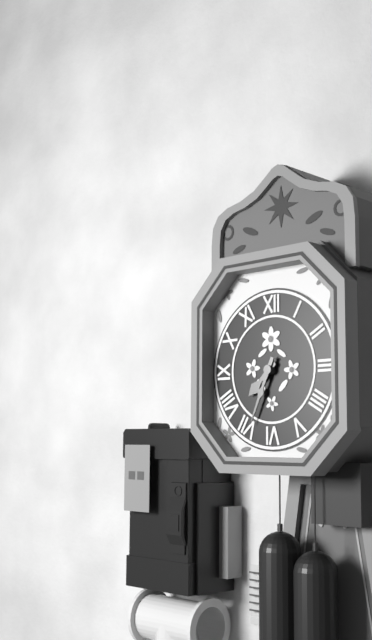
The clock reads 7:34
